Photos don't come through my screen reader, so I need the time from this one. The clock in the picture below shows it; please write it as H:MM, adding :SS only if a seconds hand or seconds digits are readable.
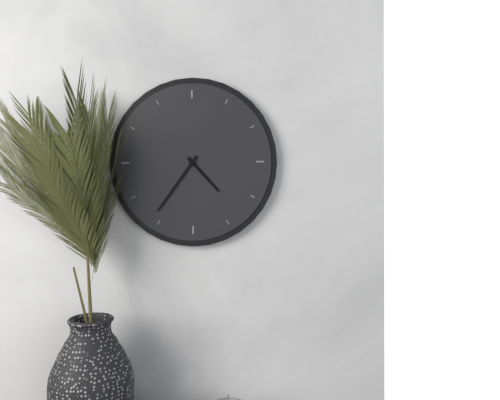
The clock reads 4:36
